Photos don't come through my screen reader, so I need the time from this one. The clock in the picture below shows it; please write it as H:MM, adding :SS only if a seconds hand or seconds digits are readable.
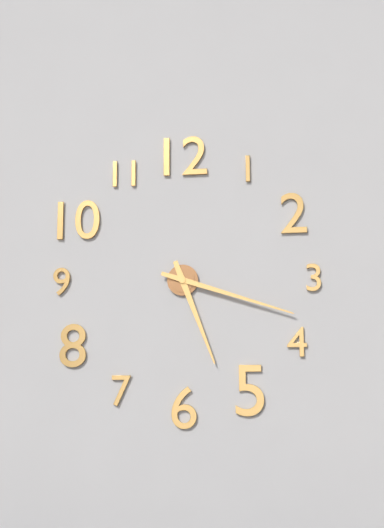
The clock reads 5:18
